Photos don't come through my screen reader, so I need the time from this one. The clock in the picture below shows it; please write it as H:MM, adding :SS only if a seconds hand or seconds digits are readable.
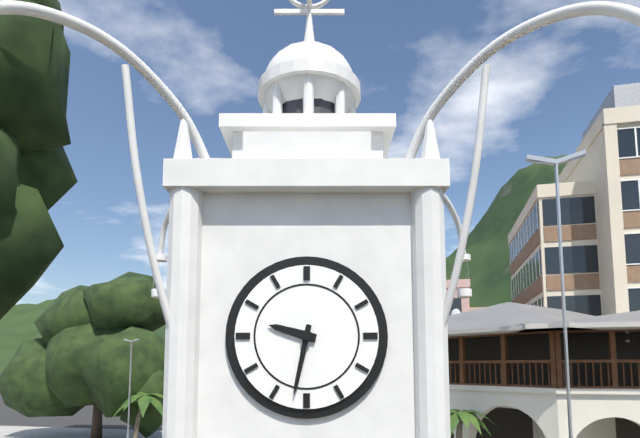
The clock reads 9:32
